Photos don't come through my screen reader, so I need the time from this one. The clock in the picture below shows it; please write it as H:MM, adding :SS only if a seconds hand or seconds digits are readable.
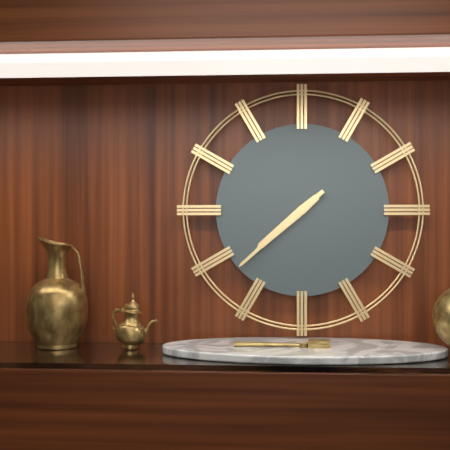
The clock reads 7:38
